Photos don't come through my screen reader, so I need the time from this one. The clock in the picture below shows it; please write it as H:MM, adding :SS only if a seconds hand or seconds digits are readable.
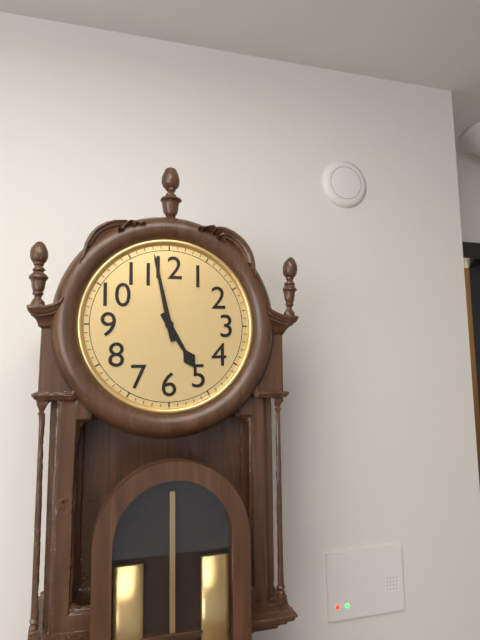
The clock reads 4:58
